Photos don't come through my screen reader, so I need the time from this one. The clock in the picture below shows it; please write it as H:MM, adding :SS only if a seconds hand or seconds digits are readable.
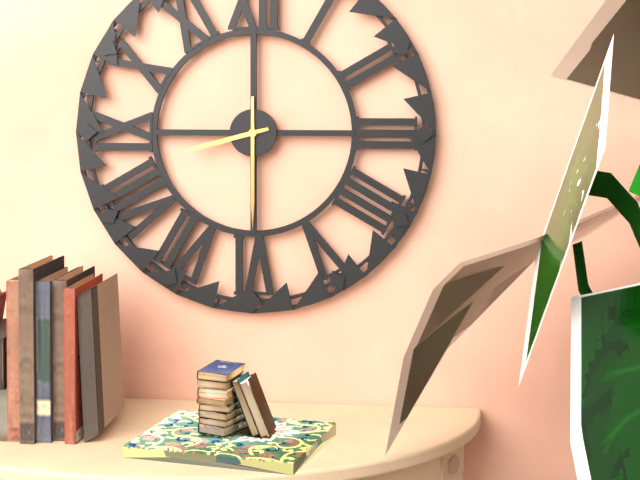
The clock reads 8:30
